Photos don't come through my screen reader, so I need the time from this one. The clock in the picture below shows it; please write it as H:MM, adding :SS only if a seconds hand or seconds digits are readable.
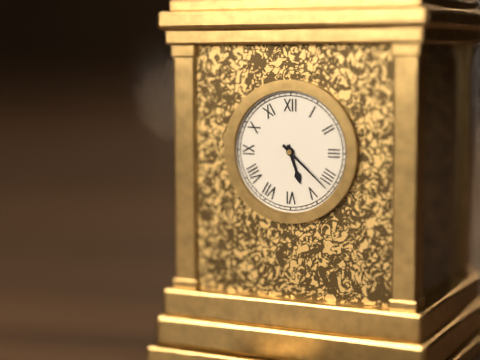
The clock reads 5:22
